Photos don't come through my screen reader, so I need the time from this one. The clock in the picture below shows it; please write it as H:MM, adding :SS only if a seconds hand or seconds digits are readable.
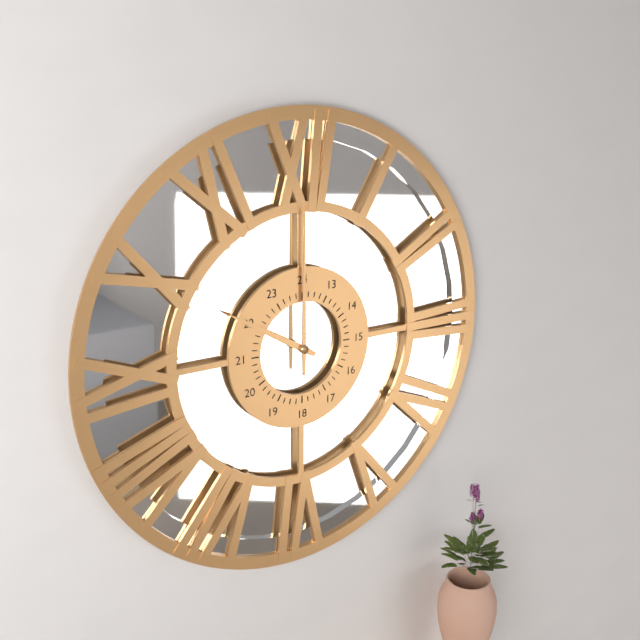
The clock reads 10:00
